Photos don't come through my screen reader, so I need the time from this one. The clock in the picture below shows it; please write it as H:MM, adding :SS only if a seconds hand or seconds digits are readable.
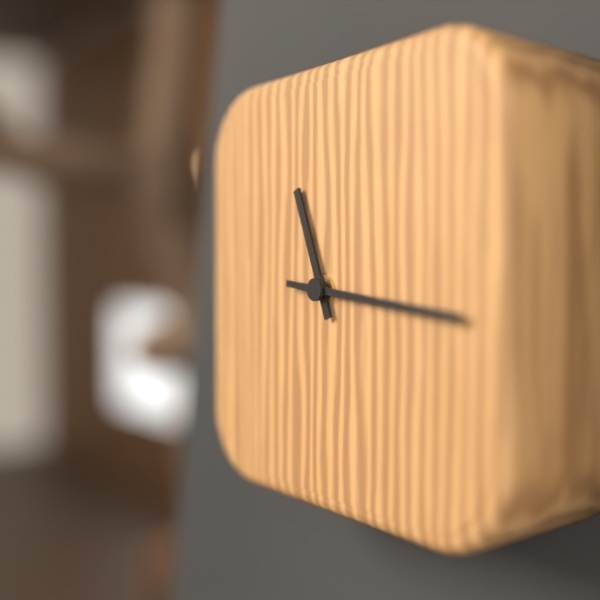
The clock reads 11:16
